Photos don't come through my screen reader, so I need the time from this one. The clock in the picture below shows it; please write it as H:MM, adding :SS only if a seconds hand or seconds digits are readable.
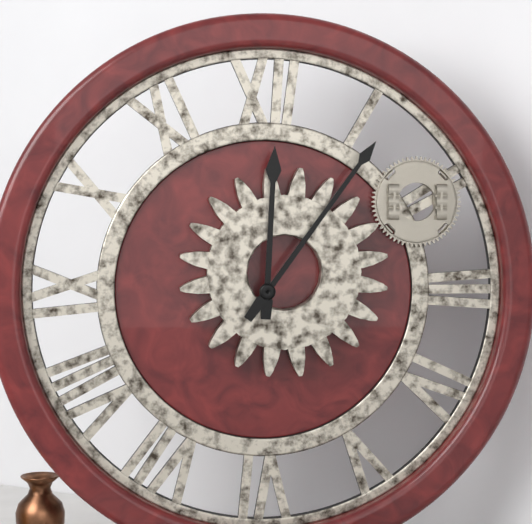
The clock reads 12:06
